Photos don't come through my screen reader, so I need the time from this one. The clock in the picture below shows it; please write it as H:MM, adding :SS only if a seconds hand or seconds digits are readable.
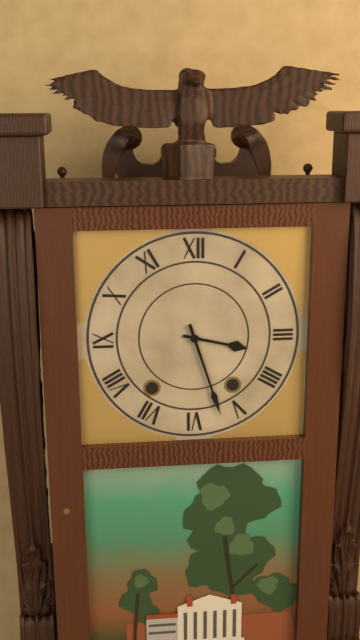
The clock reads 3:27
